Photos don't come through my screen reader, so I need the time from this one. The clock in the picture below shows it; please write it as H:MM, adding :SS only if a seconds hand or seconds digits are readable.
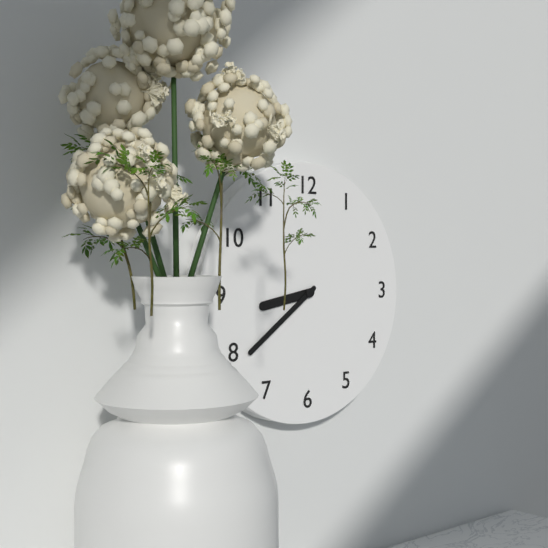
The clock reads 8:39
